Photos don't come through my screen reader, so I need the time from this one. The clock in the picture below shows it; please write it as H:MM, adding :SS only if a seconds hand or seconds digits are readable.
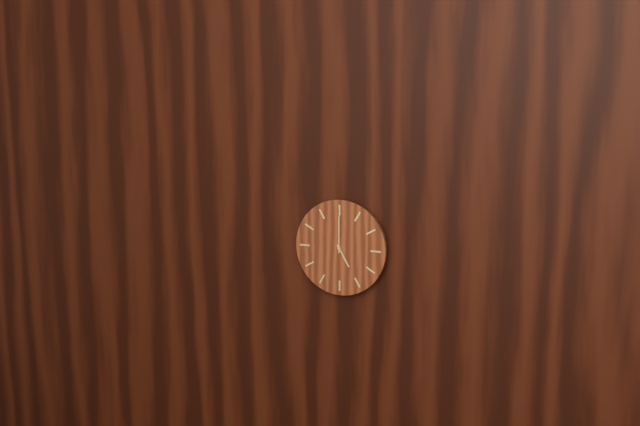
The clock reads 5:00
